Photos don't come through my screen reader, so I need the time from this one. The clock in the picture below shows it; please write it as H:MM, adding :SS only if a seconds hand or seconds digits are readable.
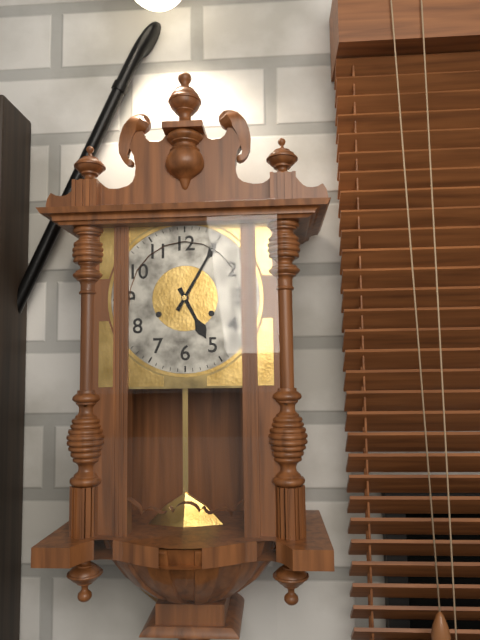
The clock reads 5:05
